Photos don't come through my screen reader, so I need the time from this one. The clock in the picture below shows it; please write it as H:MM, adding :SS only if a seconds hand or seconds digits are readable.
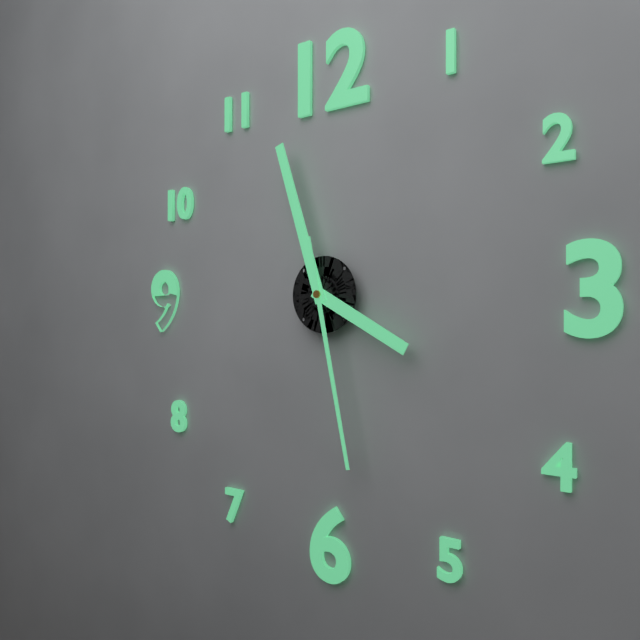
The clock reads 3:57:28
